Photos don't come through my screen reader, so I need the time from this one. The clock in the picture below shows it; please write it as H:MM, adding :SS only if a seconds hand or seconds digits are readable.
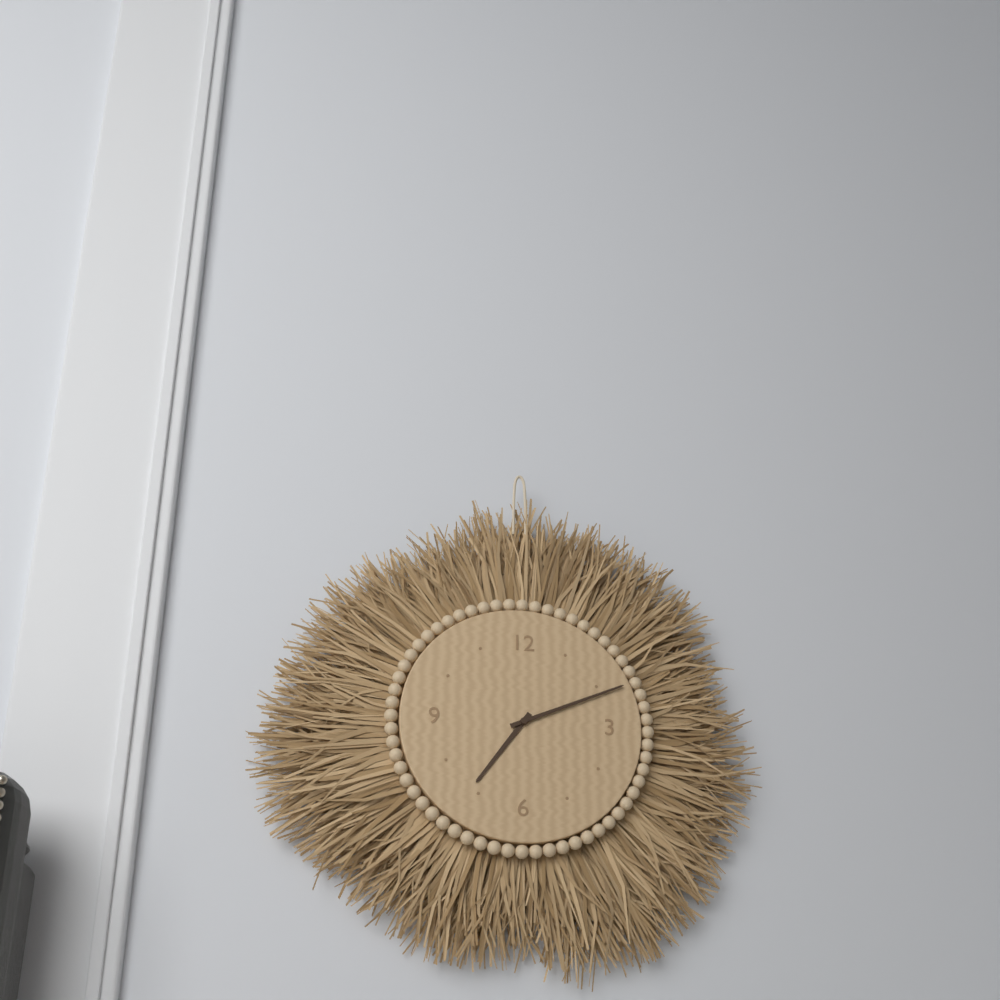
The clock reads 7:11
